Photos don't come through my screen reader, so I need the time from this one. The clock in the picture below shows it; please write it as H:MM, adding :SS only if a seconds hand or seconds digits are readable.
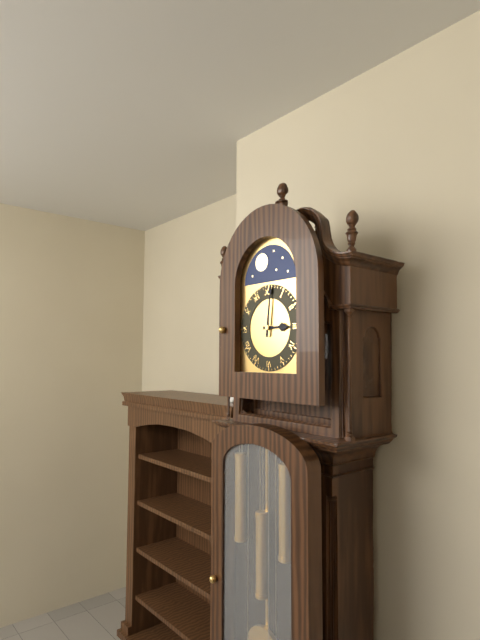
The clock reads 3:01
